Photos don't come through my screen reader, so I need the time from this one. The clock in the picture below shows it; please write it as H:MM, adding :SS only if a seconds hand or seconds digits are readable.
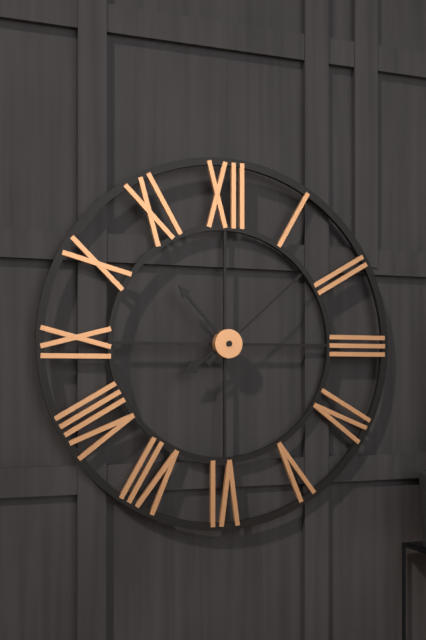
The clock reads 7:53:08
